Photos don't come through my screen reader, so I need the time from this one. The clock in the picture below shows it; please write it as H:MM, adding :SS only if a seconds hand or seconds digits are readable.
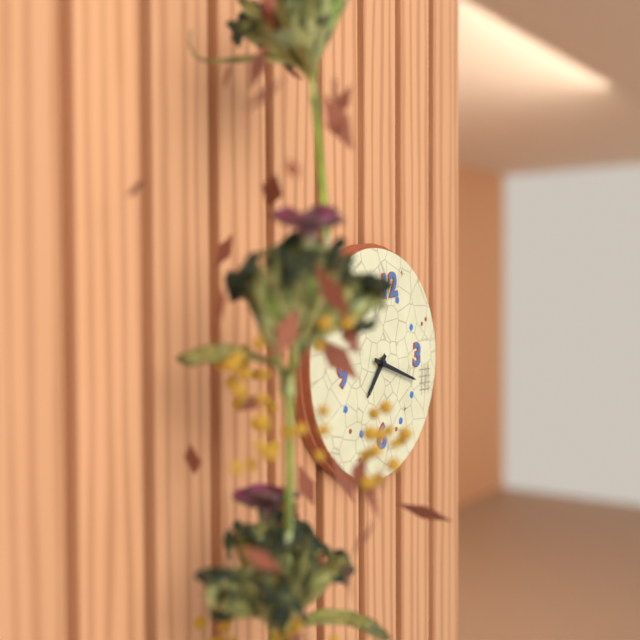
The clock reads 7:18
